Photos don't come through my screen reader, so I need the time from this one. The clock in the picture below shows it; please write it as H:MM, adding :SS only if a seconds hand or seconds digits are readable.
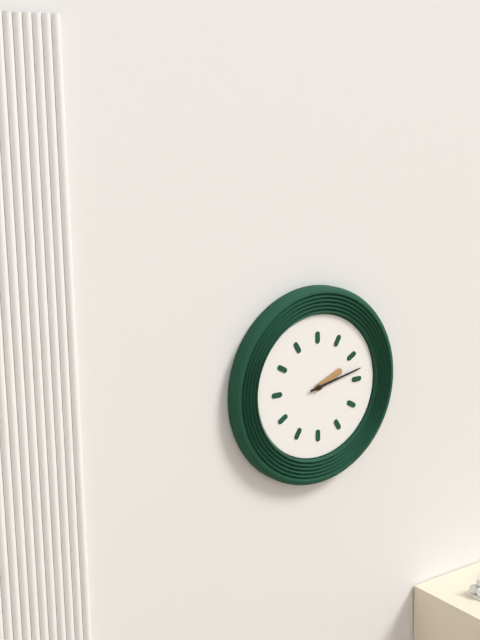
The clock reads 2:13
